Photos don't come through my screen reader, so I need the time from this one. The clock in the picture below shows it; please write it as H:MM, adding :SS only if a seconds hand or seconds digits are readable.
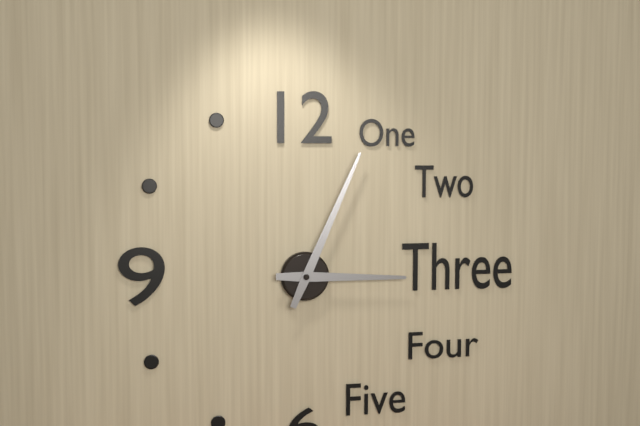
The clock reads 3:04
